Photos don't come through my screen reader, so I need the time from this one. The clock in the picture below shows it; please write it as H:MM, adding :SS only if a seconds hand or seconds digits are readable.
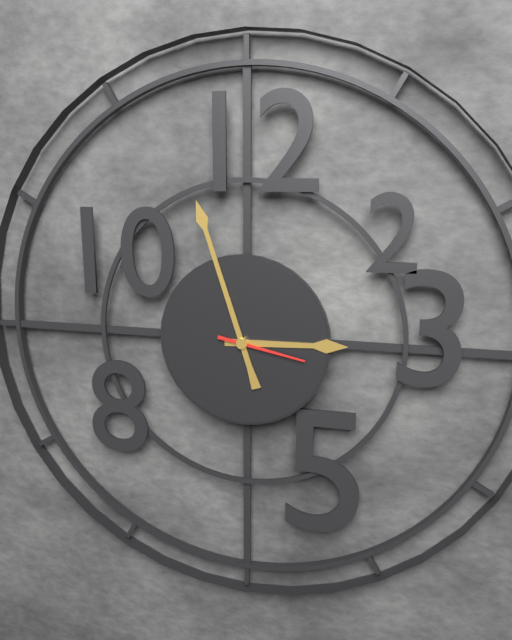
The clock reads 2:57:17
